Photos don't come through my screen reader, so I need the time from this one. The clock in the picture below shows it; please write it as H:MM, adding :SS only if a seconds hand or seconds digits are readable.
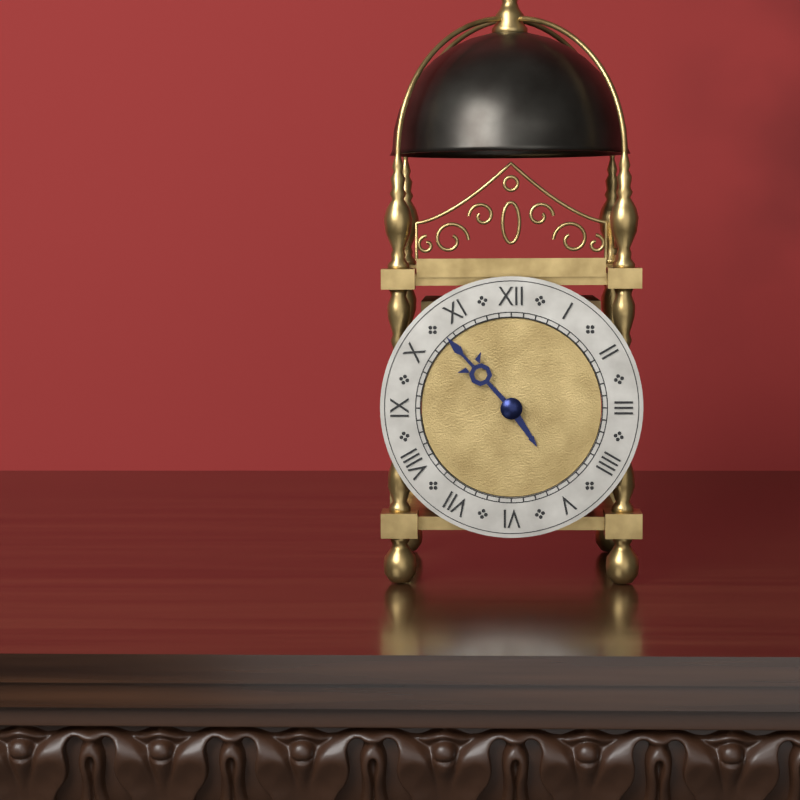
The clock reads 4:53
